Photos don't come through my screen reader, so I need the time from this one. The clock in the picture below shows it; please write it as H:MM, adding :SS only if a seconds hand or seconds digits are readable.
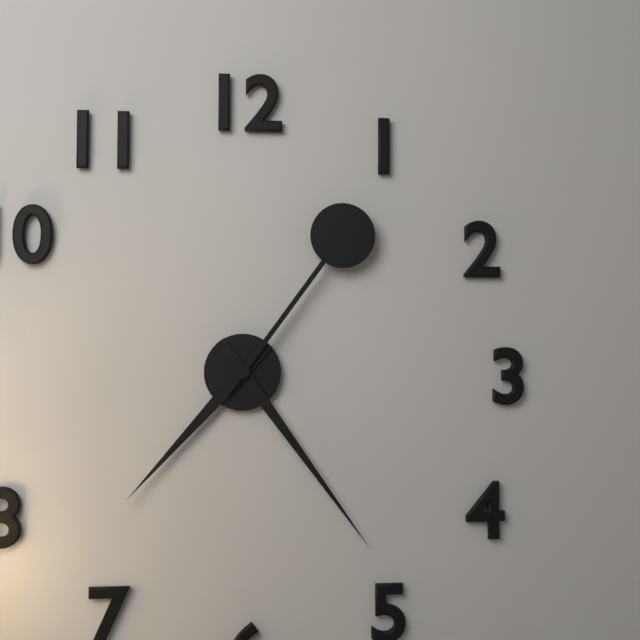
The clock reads 7:24:06
